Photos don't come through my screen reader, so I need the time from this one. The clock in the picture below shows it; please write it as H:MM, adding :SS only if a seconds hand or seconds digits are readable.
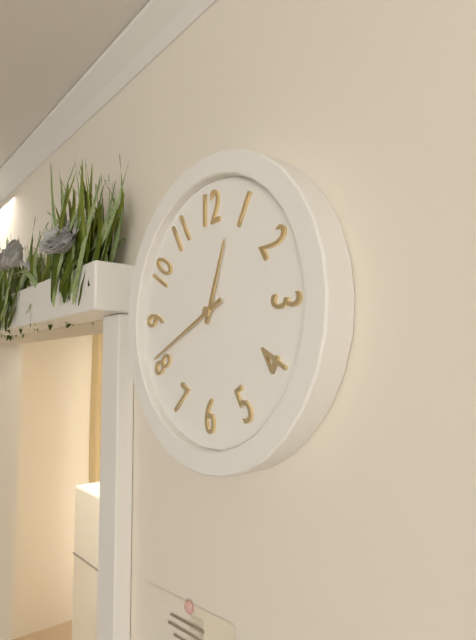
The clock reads 12:41
